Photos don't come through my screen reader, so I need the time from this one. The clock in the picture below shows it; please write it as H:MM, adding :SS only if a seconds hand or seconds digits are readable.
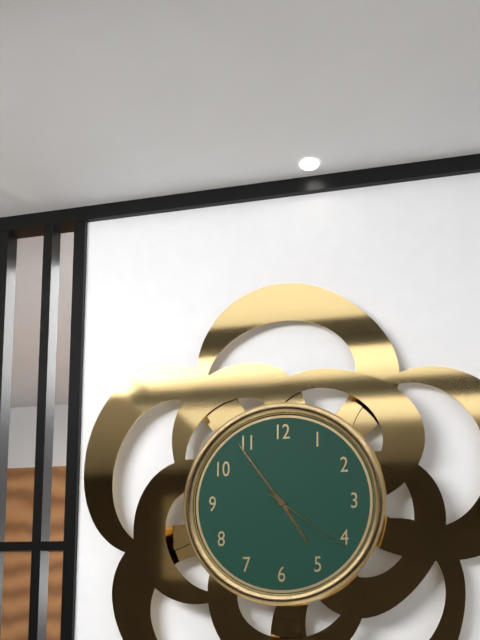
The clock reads 4:54:21
